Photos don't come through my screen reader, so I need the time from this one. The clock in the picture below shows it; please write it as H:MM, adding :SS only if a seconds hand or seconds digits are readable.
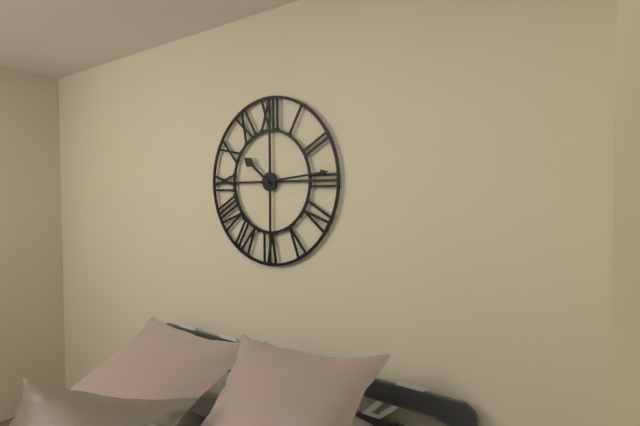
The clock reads 10:14
